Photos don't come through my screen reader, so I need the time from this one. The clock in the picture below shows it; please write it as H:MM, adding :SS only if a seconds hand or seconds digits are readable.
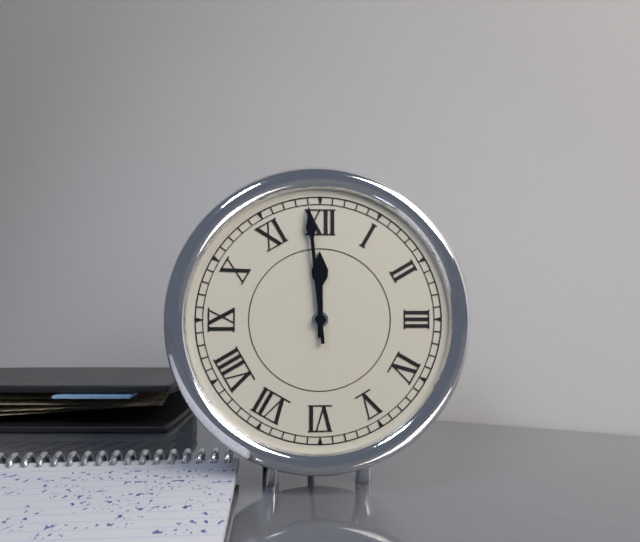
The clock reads 11:59
